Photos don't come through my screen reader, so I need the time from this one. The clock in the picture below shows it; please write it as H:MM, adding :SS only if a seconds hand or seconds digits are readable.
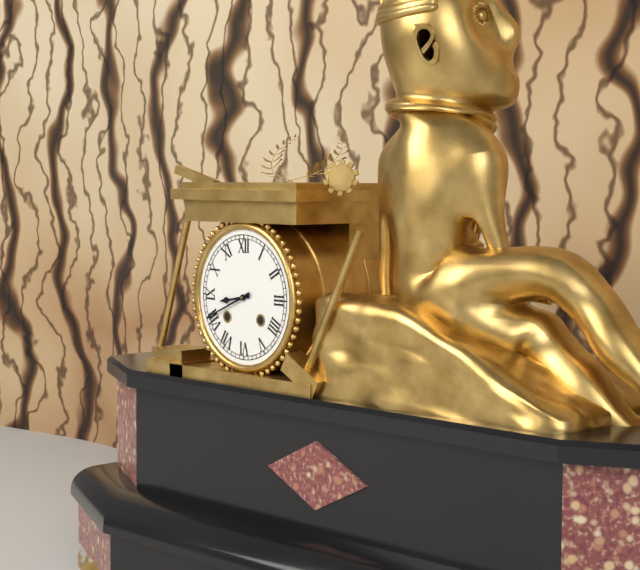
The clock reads 8:41
